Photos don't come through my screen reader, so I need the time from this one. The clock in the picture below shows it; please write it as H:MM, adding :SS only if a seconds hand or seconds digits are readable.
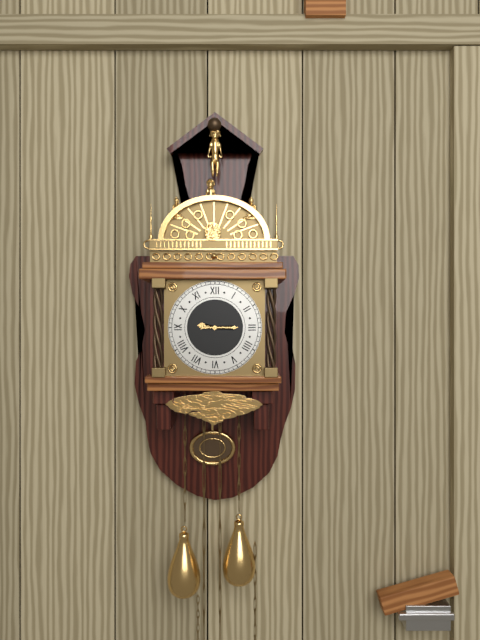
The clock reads 9:15
